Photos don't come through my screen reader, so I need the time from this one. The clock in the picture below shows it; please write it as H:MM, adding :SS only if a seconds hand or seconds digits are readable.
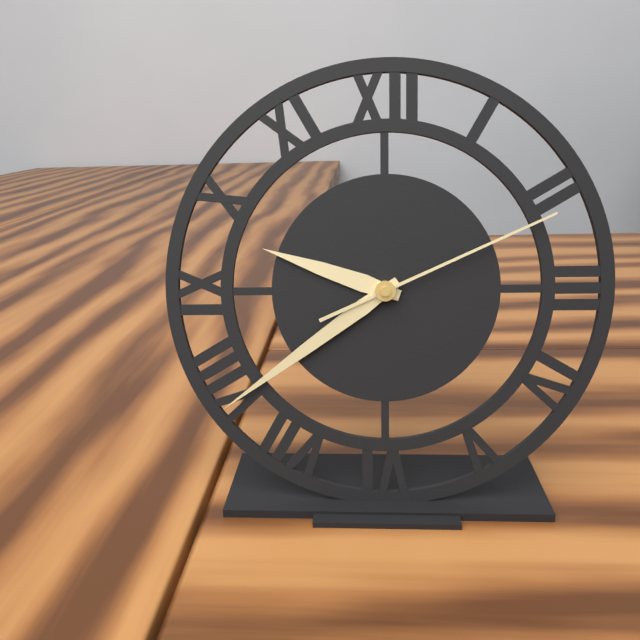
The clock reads 9:39:11
